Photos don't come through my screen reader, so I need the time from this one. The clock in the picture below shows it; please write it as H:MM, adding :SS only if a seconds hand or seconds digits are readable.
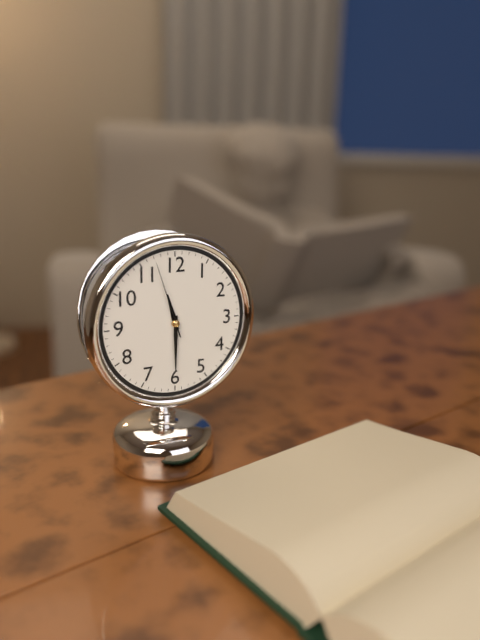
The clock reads 11:30:57
